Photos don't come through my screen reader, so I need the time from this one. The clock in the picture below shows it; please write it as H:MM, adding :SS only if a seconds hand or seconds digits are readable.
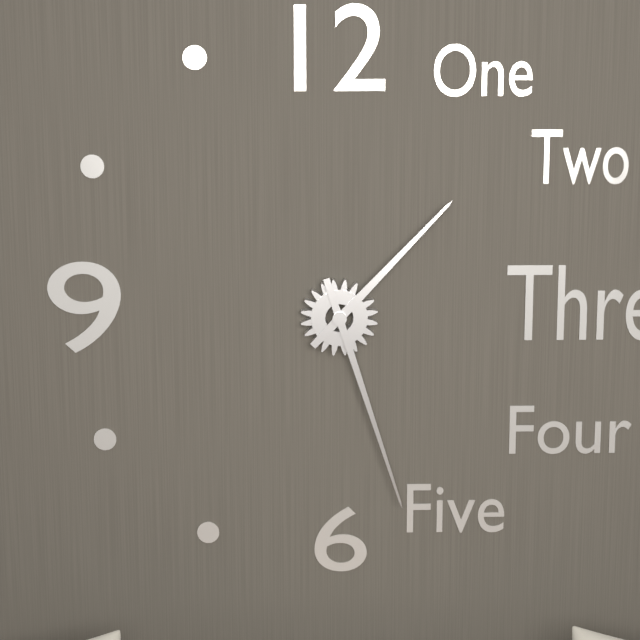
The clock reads 1:27
